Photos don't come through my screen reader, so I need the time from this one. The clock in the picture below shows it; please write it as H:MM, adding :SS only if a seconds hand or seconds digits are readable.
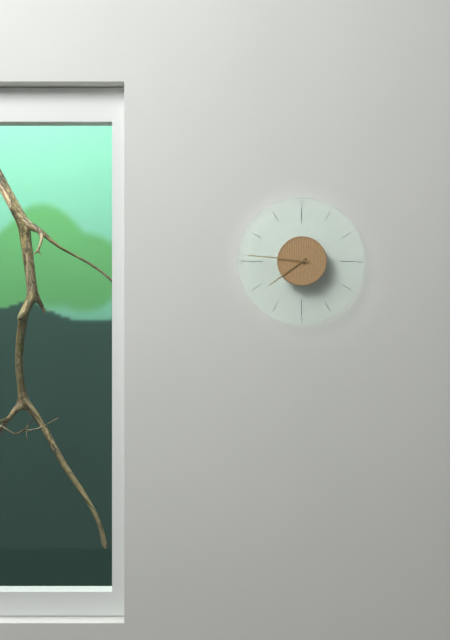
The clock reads 7:46
